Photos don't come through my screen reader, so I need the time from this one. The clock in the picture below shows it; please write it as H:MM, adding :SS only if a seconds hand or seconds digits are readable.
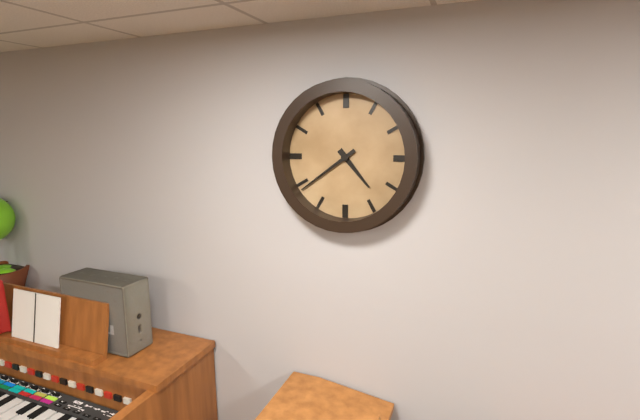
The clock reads 4:39
